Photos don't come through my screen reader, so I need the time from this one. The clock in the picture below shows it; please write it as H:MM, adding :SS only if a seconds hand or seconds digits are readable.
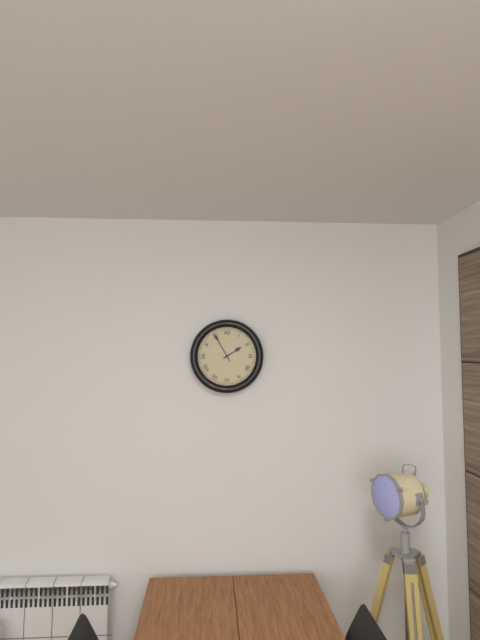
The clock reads 1:55
